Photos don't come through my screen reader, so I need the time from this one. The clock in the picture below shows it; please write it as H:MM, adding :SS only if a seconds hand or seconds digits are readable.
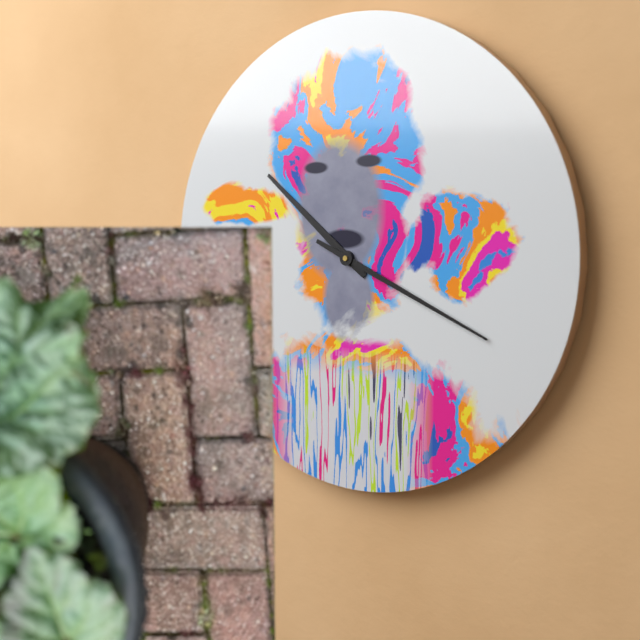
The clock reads 10:19
